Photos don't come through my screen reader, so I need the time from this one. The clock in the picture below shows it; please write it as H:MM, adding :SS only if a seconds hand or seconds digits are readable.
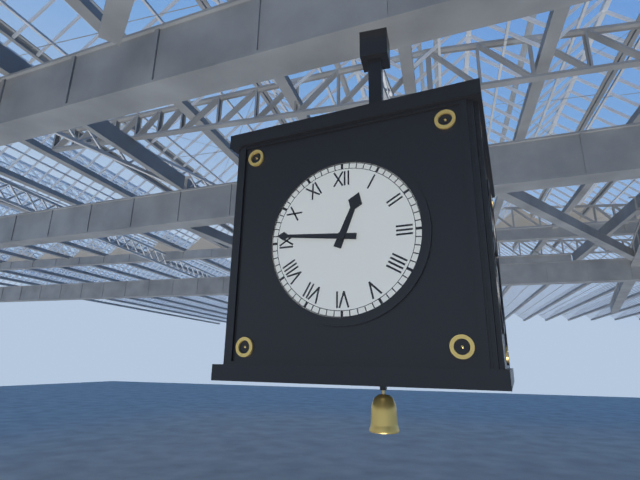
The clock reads 12:46
